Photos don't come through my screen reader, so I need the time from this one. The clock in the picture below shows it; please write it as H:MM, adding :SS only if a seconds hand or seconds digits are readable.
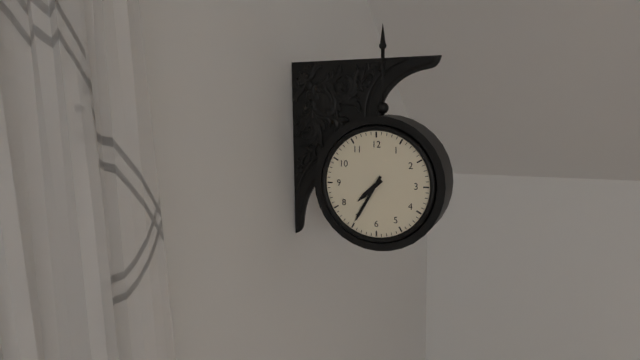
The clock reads 7:35
